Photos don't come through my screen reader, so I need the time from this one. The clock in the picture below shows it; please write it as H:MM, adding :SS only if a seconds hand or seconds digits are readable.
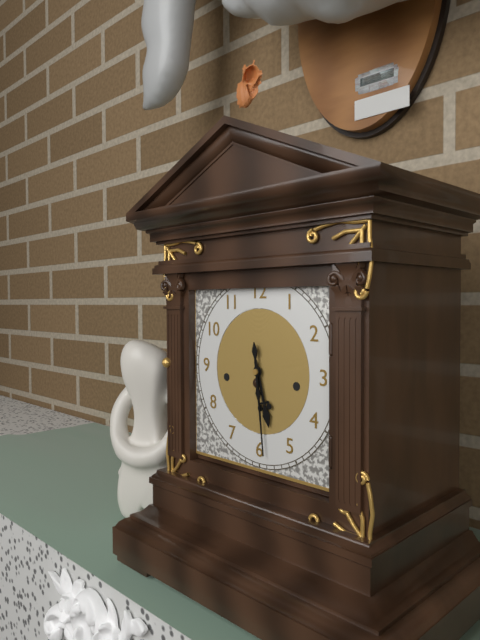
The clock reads 5:29
